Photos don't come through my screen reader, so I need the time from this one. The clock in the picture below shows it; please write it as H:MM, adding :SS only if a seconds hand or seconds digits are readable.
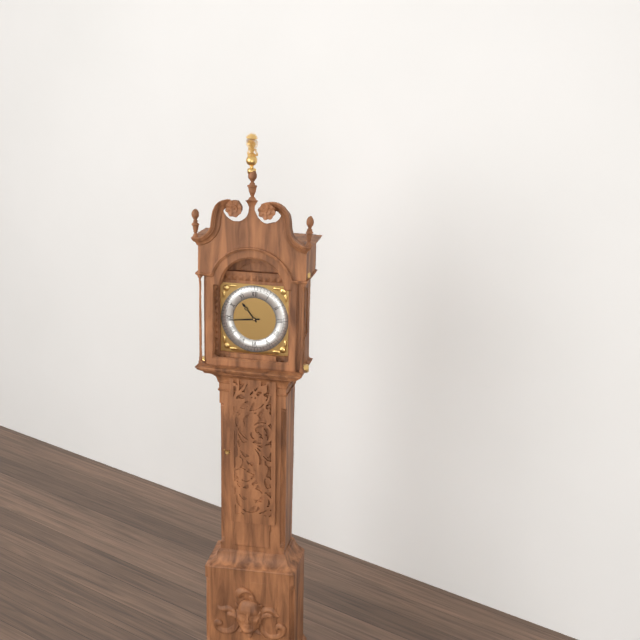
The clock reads 10:44
